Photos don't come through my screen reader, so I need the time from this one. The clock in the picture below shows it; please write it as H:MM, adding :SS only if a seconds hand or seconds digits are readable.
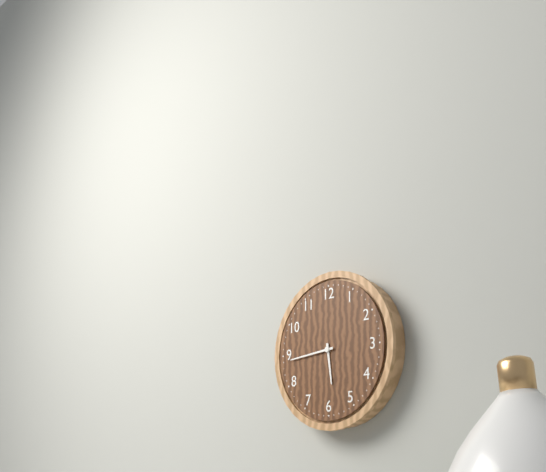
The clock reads 5:44
